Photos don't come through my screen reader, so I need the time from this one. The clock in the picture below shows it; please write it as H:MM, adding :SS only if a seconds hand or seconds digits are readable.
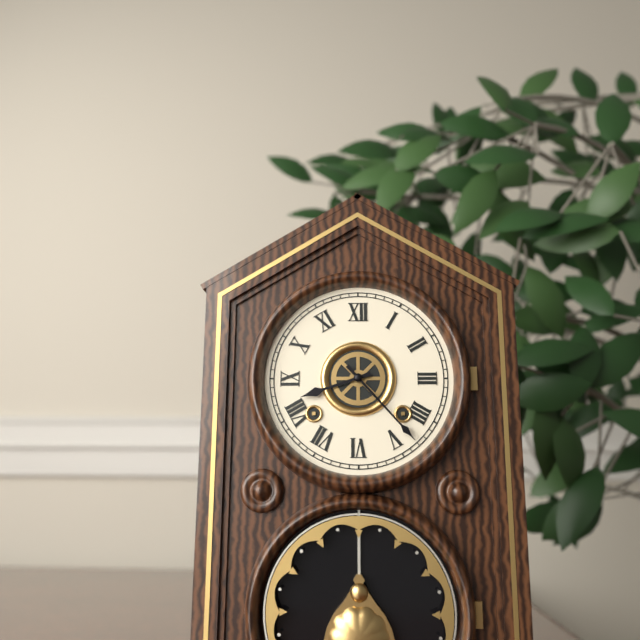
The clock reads 8:23
